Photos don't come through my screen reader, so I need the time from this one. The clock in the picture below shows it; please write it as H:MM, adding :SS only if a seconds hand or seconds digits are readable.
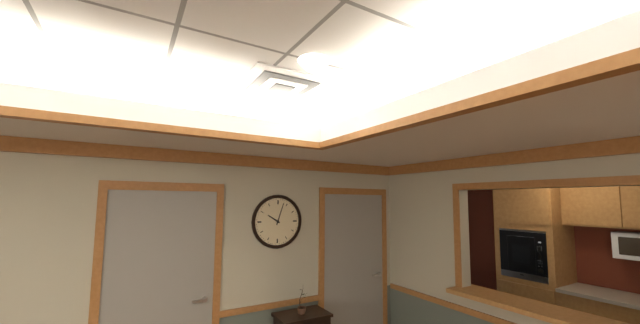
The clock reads 10:03
